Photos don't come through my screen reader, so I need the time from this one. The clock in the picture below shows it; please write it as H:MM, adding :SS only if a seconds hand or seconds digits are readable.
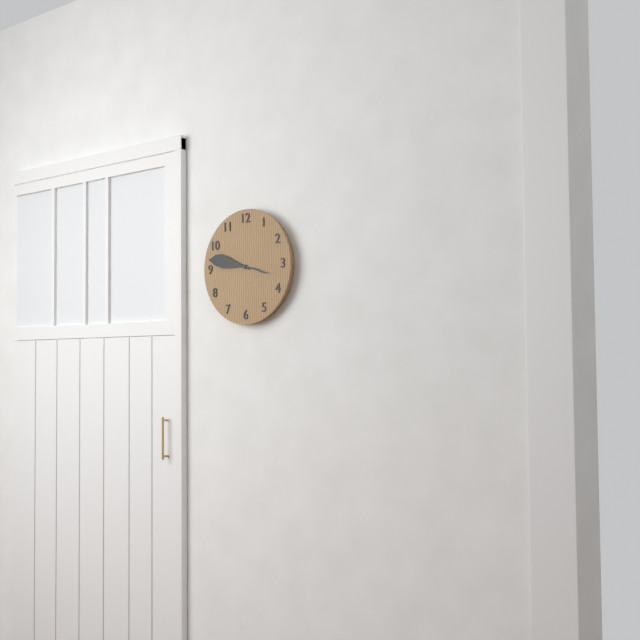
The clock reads 9:47
